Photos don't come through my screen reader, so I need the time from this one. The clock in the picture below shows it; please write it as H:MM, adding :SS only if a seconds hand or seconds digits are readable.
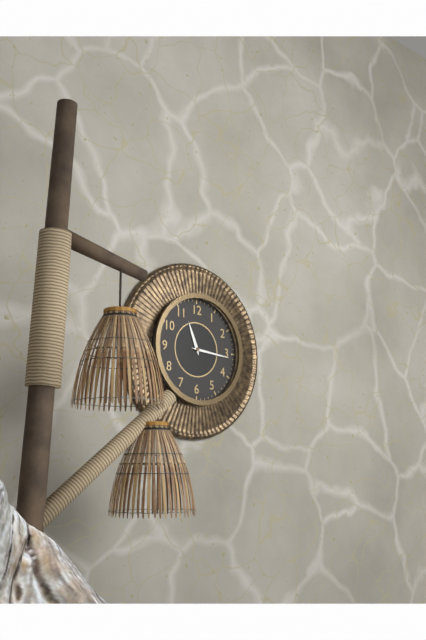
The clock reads 11:16
